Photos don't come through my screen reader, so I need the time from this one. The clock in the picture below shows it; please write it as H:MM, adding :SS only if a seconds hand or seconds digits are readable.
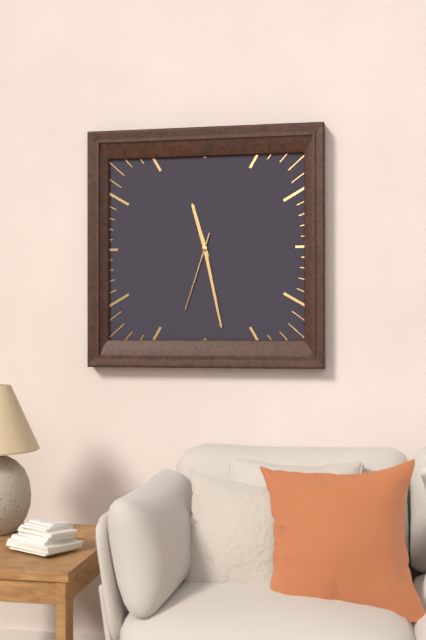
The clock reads 11:28:33
